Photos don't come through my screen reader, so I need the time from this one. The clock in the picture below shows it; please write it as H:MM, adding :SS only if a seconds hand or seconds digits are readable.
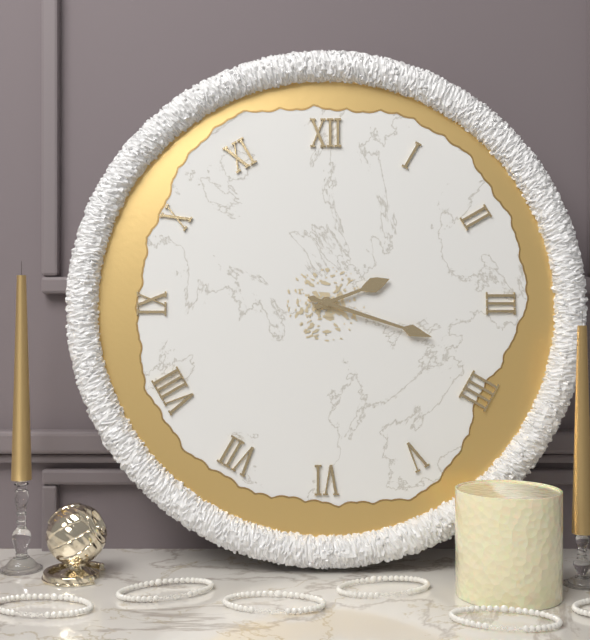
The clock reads 2:18
